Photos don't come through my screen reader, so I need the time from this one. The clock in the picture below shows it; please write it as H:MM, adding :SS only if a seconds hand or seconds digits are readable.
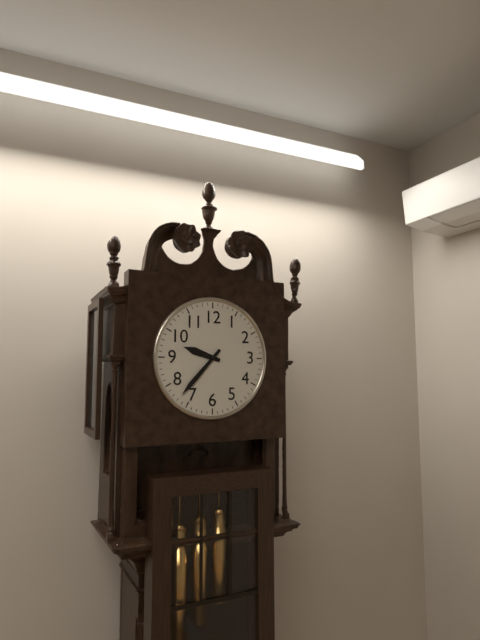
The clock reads 9:37
